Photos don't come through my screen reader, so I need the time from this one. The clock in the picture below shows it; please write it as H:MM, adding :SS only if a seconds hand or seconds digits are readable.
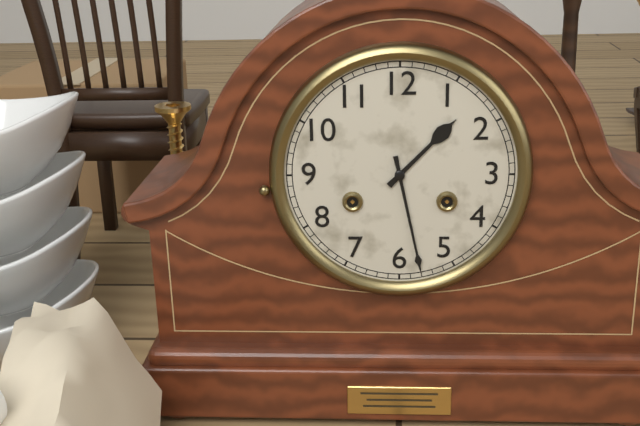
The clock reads 1:28
